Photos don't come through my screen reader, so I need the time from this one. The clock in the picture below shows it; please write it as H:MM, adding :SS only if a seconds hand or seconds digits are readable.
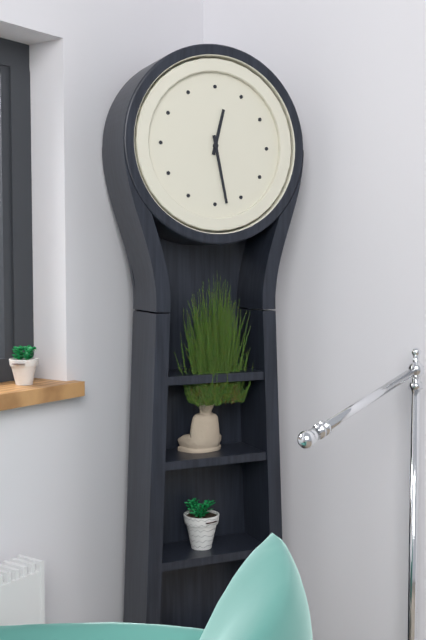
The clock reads 12:28
